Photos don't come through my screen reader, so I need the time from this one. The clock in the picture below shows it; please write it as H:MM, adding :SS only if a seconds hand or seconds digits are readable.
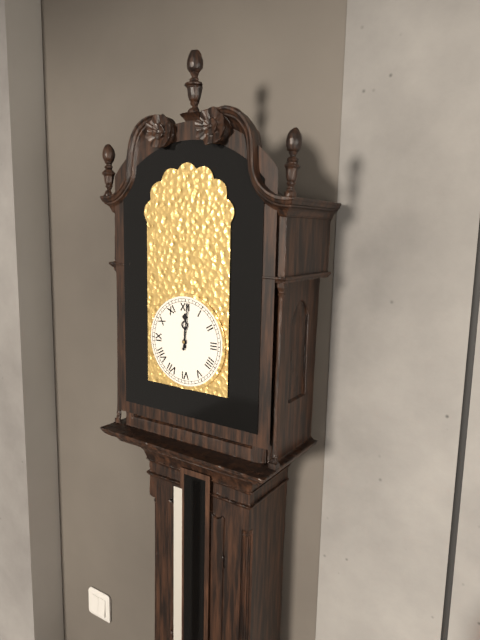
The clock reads 12:01
